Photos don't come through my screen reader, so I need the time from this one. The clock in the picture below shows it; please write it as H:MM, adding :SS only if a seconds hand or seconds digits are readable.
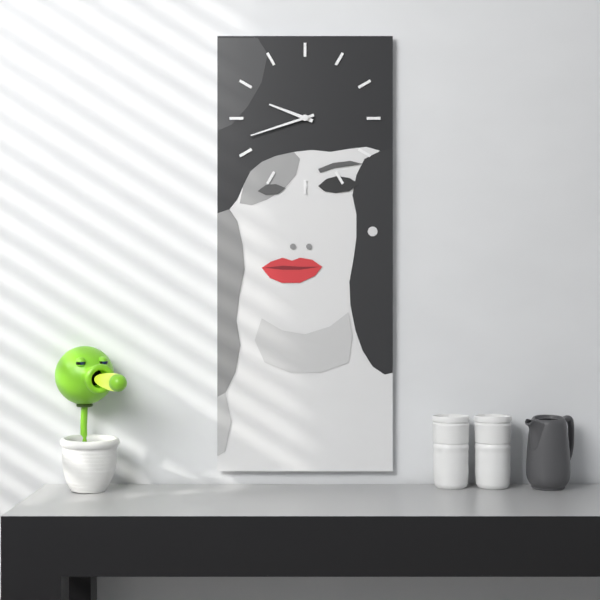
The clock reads 9:42
